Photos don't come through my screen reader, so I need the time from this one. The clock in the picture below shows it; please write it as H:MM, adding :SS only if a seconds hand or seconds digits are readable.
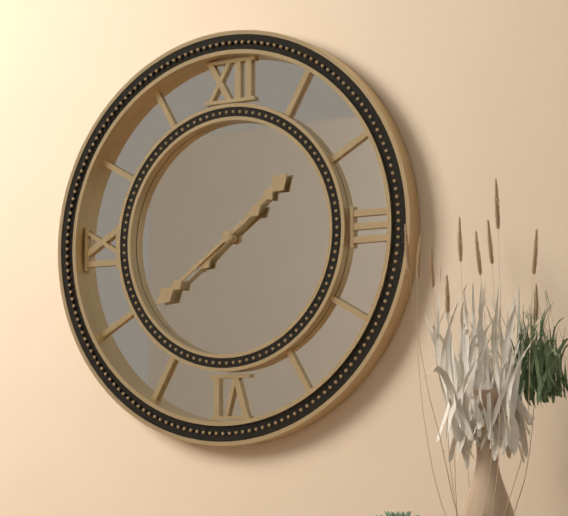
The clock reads 1:39
